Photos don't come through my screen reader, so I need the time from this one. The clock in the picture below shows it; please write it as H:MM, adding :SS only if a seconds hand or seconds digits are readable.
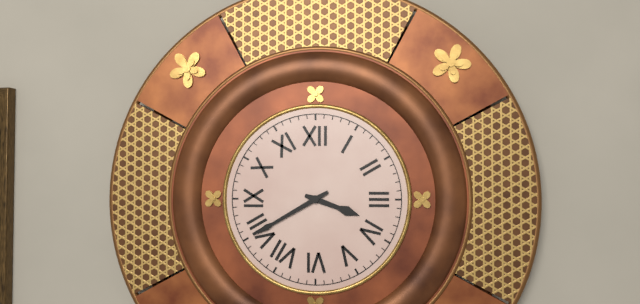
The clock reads 3:40
